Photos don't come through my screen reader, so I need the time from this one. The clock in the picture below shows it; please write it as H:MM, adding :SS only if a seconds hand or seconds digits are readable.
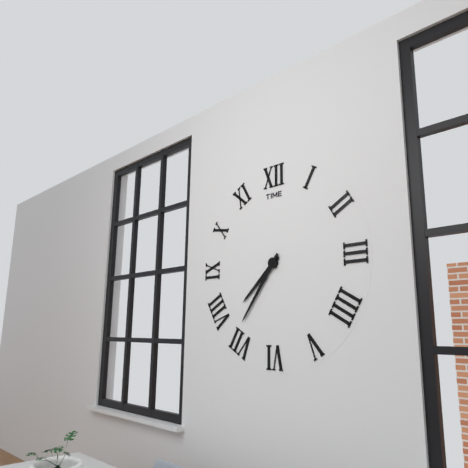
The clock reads 7:36
